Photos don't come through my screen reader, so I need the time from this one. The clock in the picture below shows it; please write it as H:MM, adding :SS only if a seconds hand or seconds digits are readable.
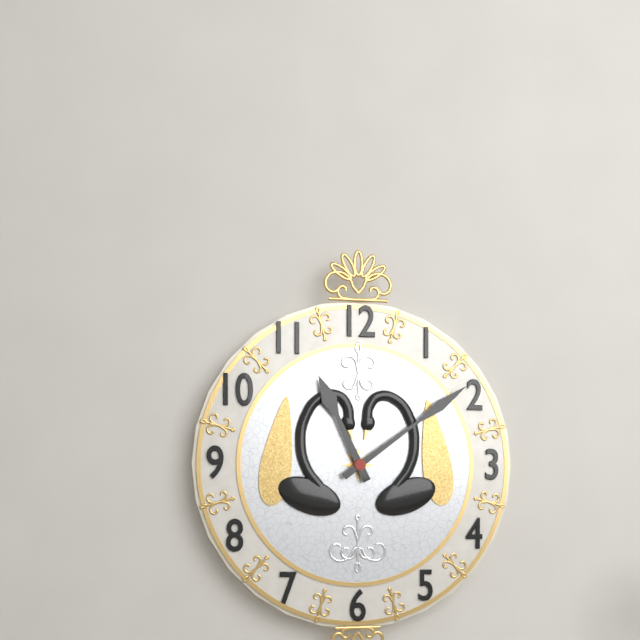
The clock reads 11:09
